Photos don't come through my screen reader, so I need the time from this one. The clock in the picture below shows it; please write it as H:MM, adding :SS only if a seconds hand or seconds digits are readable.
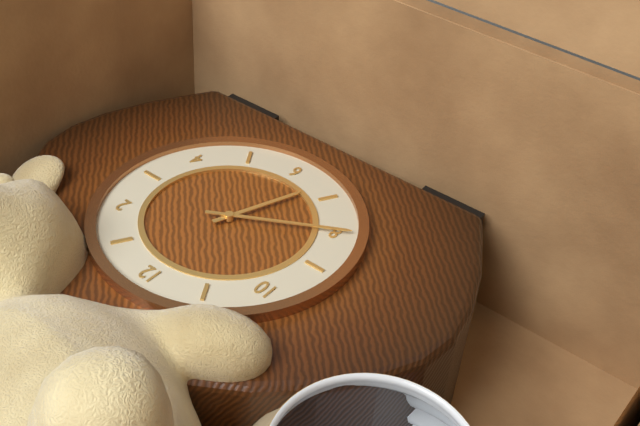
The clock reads 6:40
